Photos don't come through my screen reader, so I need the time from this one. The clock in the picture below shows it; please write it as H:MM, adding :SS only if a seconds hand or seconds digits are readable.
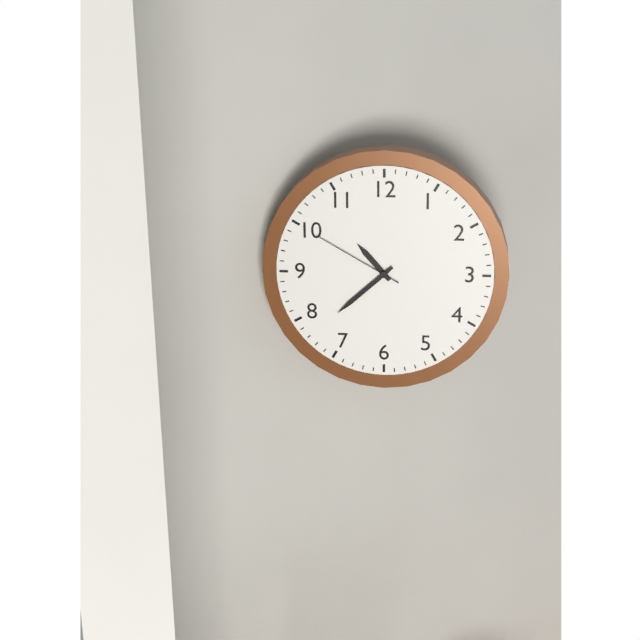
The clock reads 10:38:50
